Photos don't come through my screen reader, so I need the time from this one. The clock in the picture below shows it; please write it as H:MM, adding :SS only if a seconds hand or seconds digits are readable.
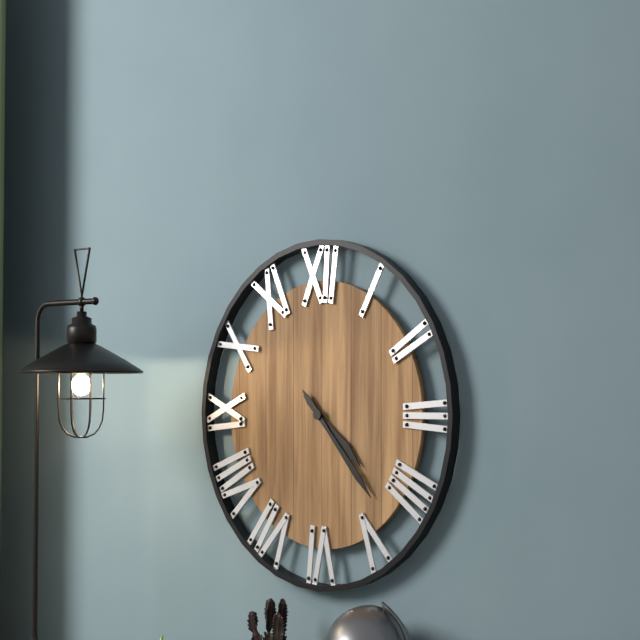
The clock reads 4:23
